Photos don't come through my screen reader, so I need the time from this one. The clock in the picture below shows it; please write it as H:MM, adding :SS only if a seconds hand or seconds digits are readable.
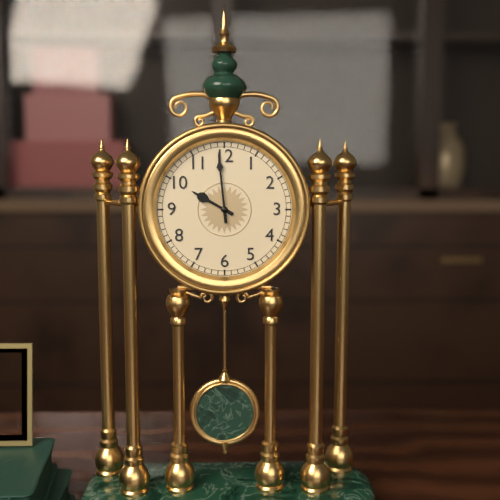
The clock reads 9:59
